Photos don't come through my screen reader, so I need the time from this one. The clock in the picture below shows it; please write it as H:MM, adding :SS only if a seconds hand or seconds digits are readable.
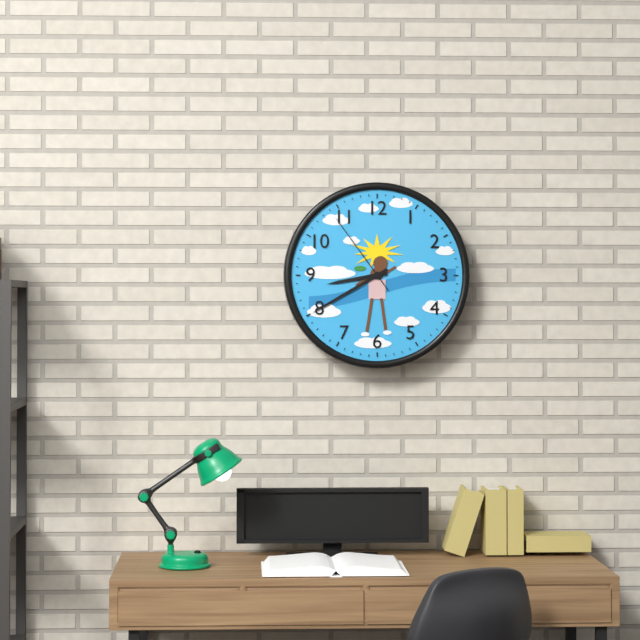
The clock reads 8:40:54
